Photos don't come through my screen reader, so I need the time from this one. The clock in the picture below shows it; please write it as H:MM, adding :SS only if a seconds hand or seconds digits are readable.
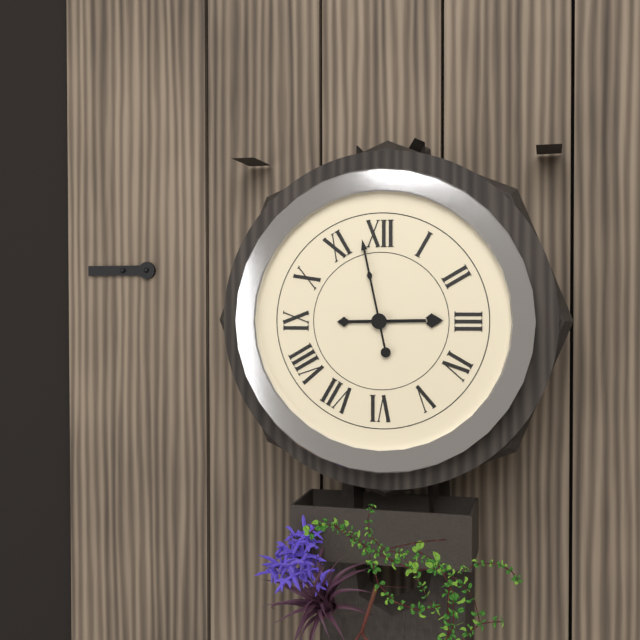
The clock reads 2:58
